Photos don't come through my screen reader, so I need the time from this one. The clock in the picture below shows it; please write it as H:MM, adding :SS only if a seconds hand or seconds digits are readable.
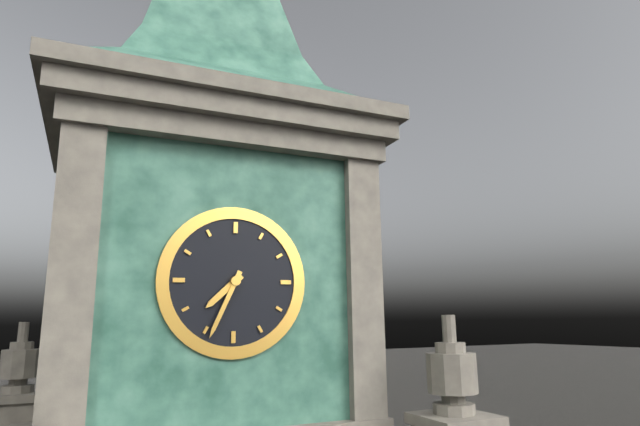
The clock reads 7:34
